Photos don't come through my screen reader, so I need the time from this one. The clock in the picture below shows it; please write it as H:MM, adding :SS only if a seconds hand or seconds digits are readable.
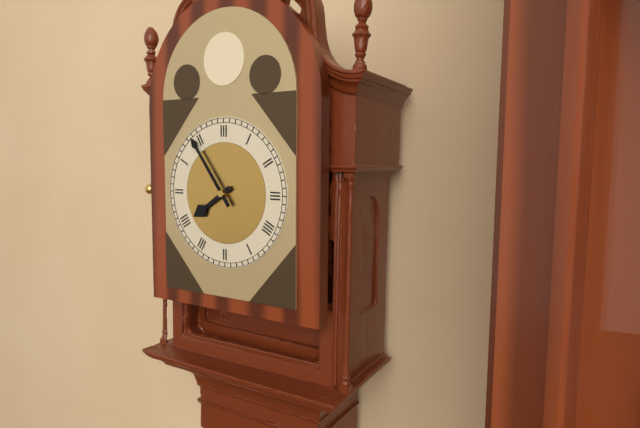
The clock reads 7:54
